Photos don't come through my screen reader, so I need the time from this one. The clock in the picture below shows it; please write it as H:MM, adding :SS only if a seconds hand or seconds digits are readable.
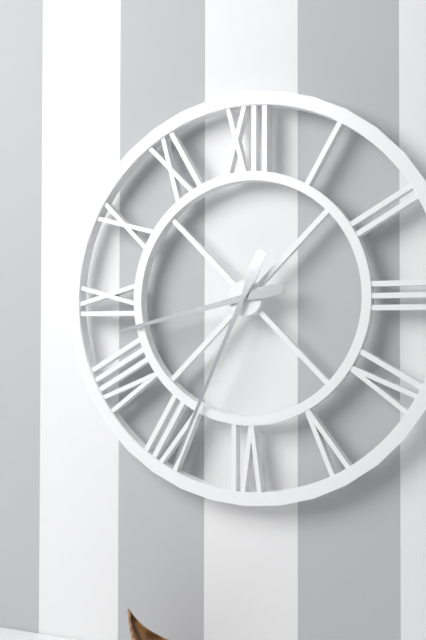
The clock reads 8:34
